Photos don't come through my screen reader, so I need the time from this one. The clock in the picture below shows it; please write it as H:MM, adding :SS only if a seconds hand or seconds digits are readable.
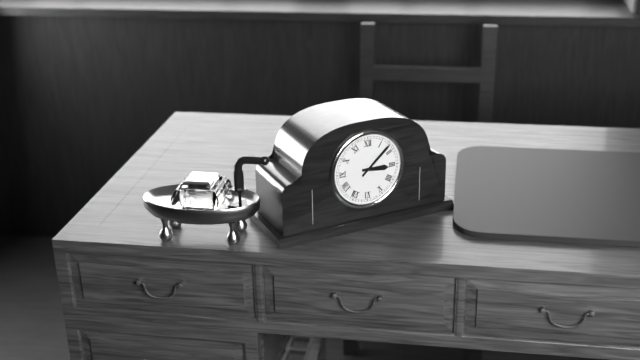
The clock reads 3:08
